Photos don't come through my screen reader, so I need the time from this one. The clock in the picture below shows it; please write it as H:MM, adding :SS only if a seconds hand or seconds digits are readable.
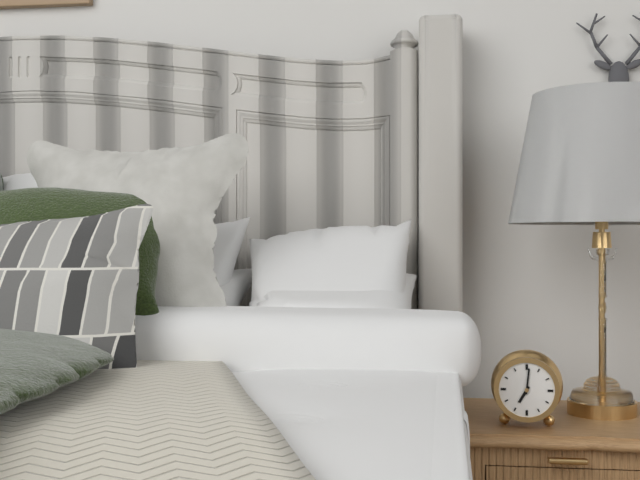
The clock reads 7:01
